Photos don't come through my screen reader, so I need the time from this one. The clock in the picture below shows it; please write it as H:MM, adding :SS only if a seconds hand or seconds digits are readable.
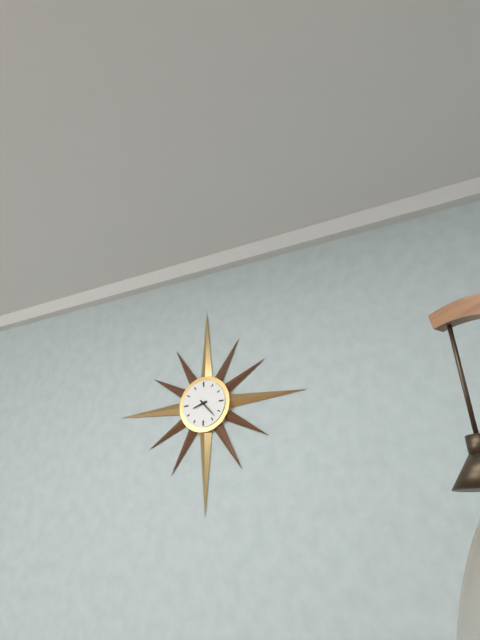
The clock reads 8:23
